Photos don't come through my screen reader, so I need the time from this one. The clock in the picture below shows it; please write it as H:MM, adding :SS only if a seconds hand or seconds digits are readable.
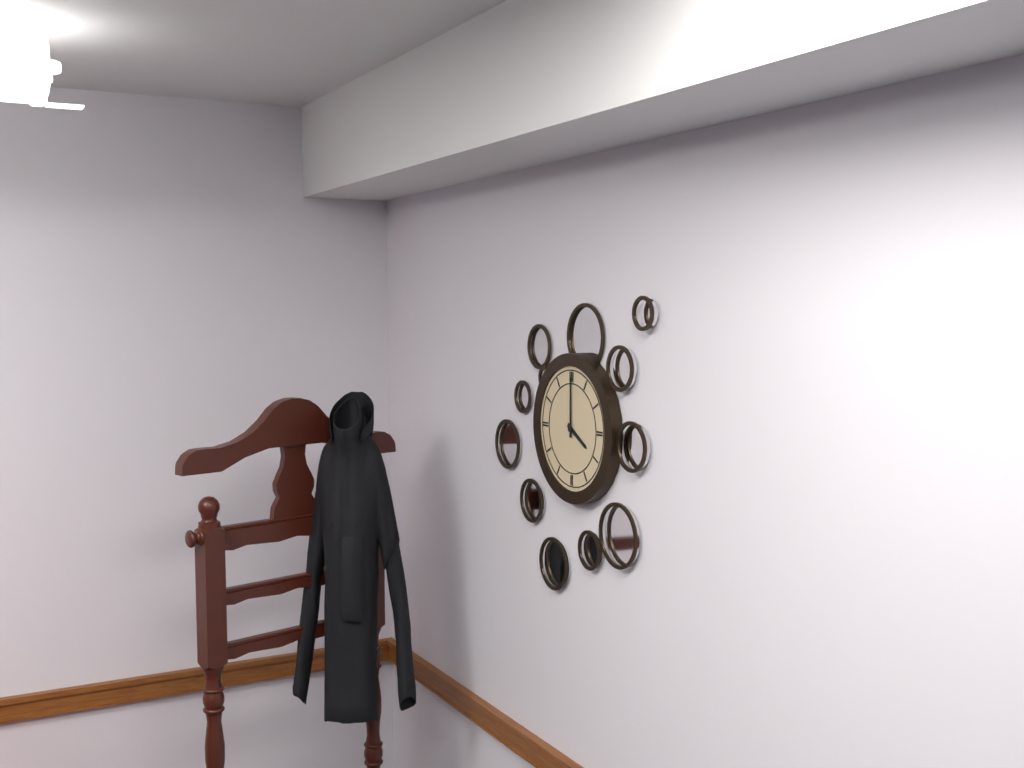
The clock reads 4:00
